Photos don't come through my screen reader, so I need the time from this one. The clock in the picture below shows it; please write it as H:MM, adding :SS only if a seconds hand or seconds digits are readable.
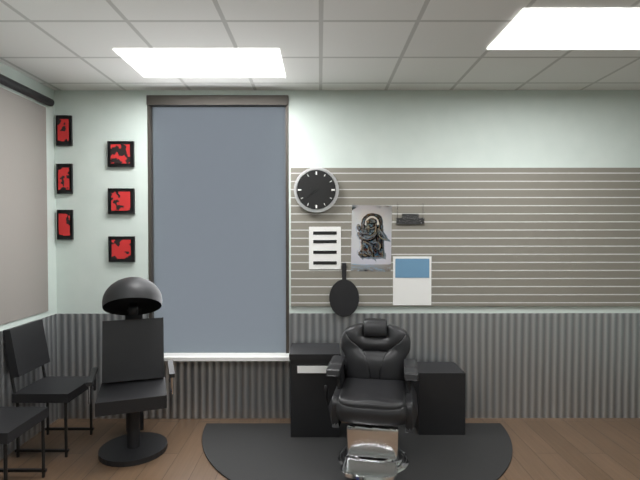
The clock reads 9:39
